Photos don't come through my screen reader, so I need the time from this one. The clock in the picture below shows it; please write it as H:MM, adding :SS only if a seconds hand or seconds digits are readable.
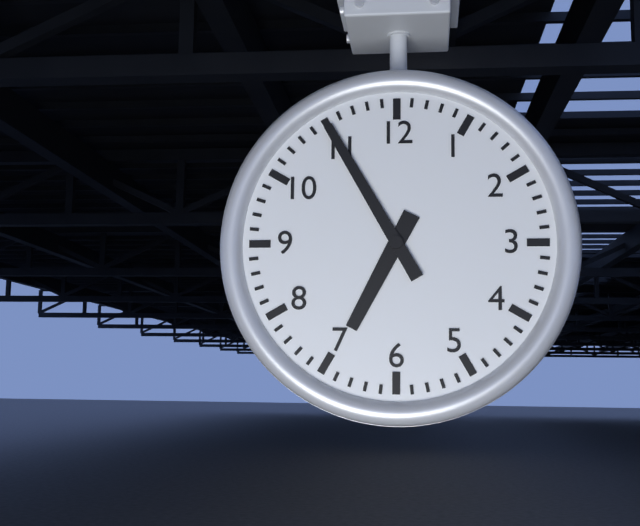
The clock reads 6:55
